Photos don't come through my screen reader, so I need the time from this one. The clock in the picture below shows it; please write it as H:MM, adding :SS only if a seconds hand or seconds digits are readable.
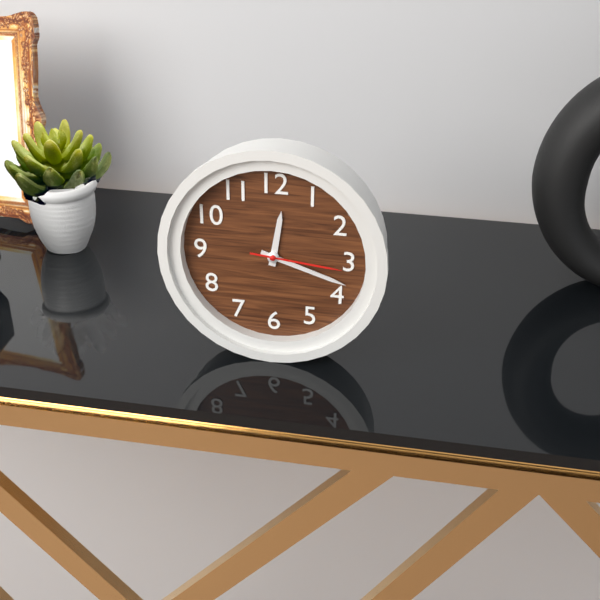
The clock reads 12:18:16
